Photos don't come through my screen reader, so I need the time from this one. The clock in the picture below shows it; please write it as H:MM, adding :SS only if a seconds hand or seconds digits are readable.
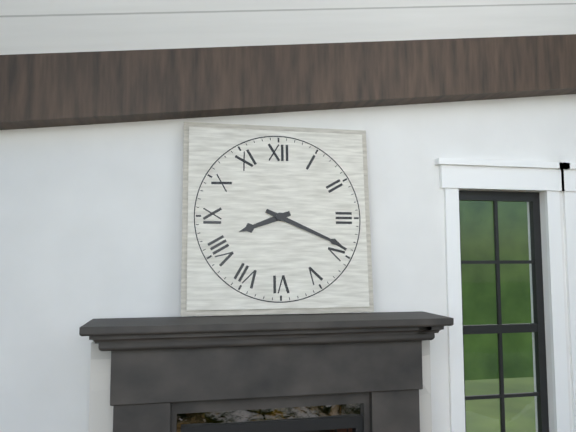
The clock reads 8:19
